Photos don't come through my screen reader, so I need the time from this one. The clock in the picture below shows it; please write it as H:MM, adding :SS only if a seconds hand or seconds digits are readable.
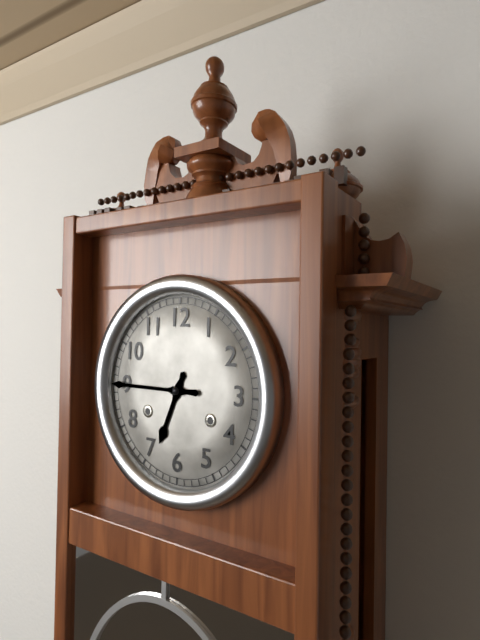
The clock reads 6:45
